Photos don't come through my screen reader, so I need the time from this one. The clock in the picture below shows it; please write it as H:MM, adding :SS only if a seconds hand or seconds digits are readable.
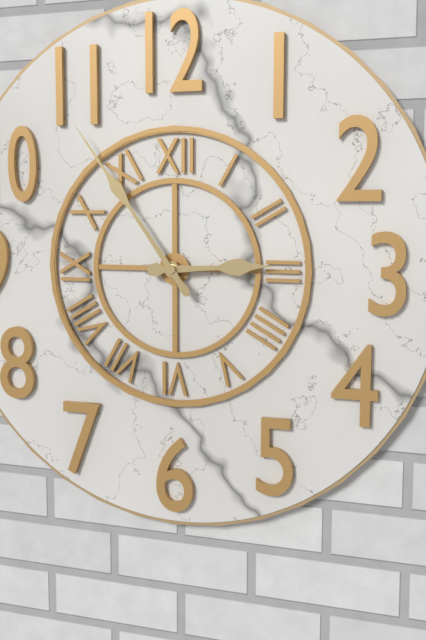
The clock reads 2:54
